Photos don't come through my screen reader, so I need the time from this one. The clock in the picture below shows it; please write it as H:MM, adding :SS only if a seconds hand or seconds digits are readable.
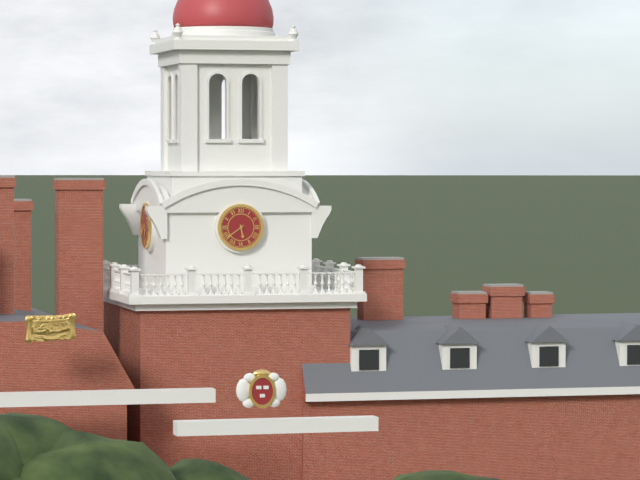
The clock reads 5:39
